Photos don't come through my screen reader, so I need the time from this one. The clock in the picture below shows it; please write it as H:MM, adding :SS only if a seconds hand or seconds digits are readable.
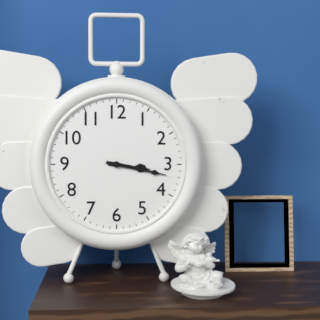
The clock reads 3:17
